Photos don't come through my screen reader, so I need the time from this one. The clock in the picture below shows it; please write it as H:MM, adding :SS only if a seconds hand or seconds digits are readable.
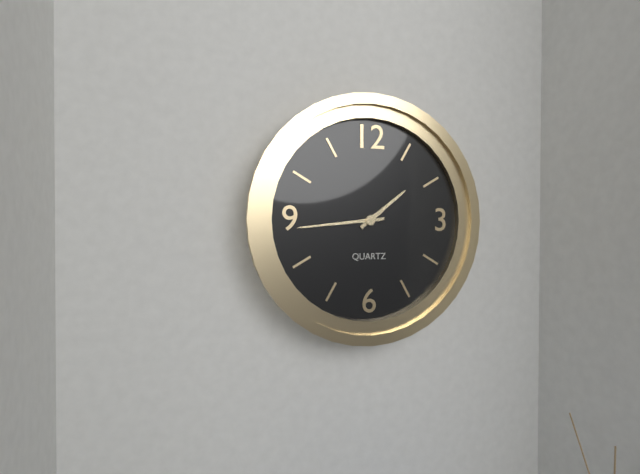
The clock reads 1:44
